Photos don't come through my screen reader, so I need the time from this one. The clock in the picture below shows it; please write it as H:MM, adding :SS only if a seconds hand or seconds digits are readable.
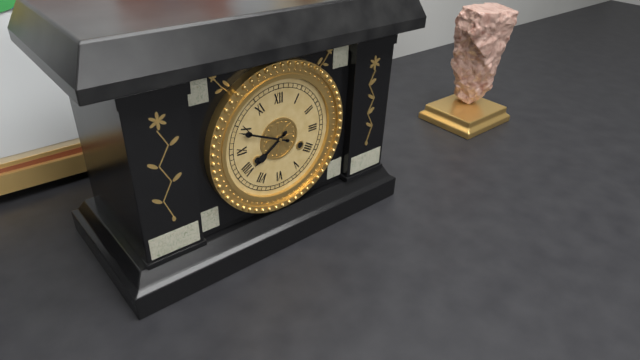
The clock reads 7:49
